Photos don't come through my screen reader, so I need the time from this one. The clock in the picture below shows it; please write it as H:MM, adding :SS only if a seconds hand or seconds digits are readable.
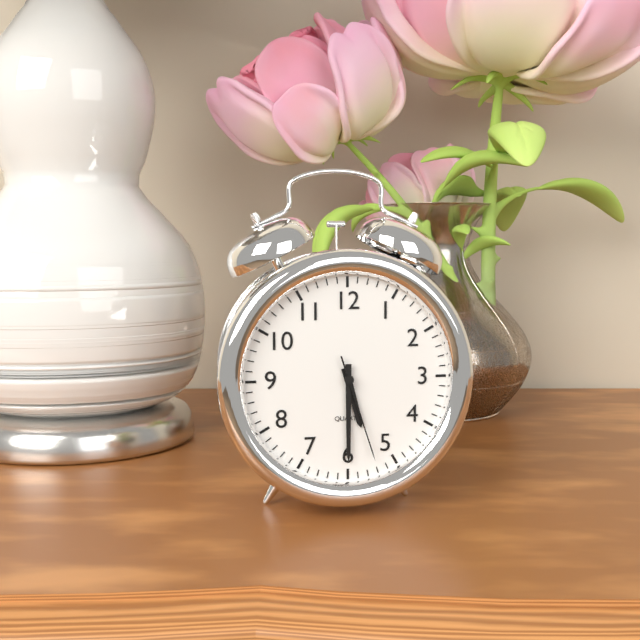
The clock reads 5:30:27
